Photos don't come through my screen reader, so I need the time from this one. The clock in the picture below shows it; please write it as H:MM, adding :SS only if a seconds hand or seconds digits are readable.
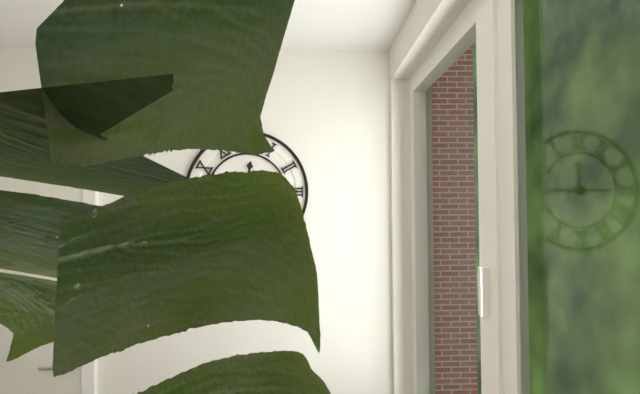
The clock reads 12:15
